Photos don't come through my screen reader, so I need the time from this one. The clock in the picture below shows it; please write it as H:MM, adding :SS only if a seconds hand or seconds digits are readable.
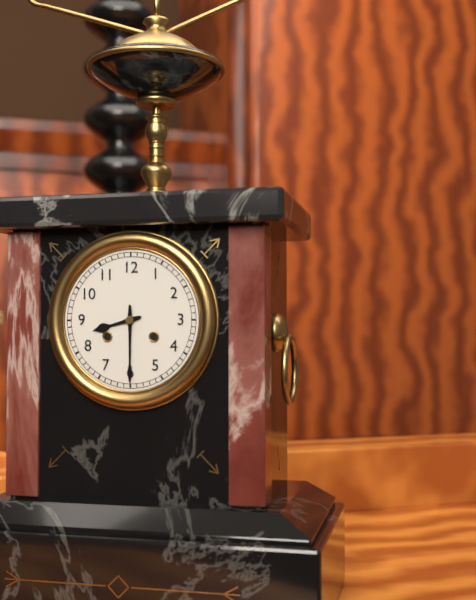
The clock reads 8:30
